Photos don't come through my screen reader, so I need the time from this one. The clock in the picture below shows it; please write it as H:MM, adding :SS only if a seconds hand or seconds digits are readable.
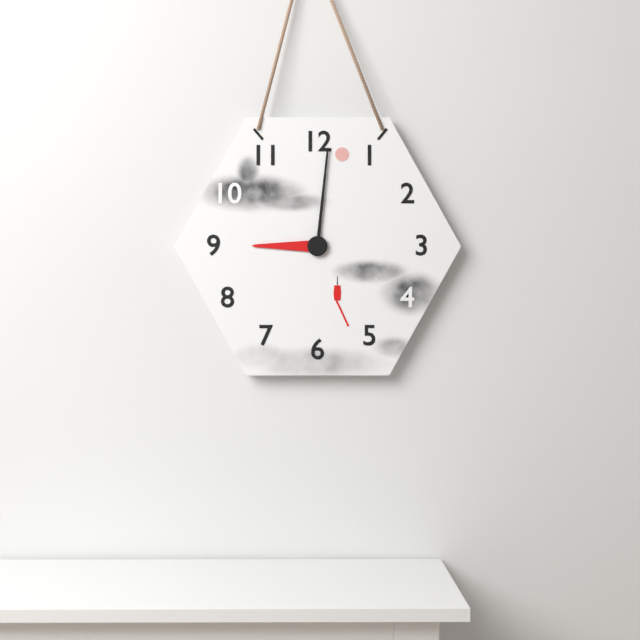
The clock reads 9:01
